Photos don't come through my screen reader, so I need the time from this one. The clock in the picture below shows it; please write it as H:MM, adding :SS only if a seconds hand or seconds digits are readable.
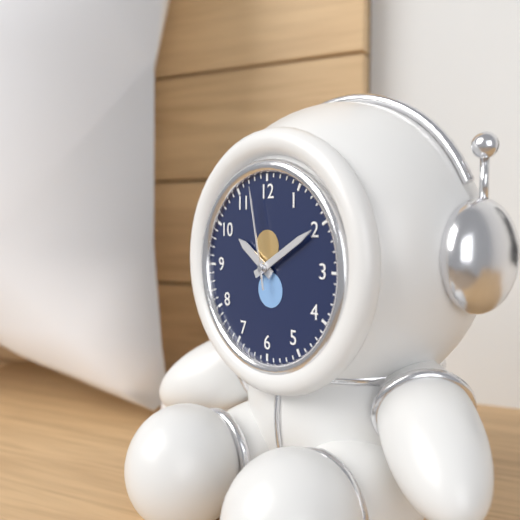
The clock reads 10:10:58
